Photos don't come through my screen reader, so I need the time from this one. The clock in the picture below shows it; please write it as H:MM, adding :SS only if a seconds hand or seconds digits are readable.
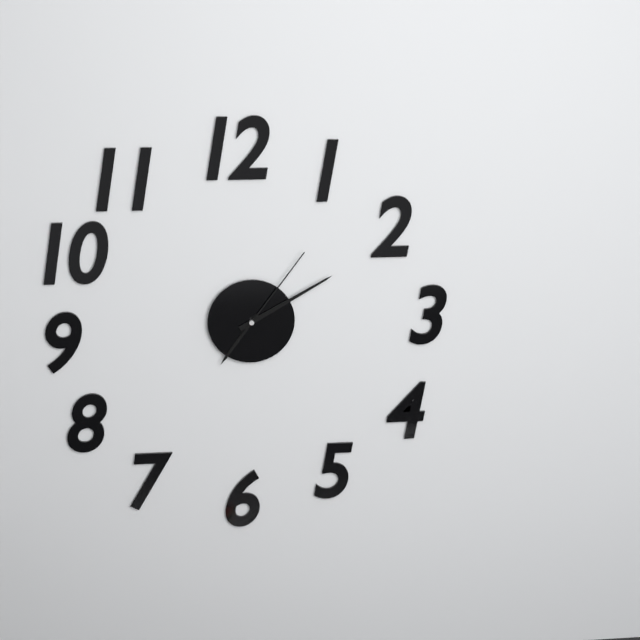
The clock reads 7:10:06
